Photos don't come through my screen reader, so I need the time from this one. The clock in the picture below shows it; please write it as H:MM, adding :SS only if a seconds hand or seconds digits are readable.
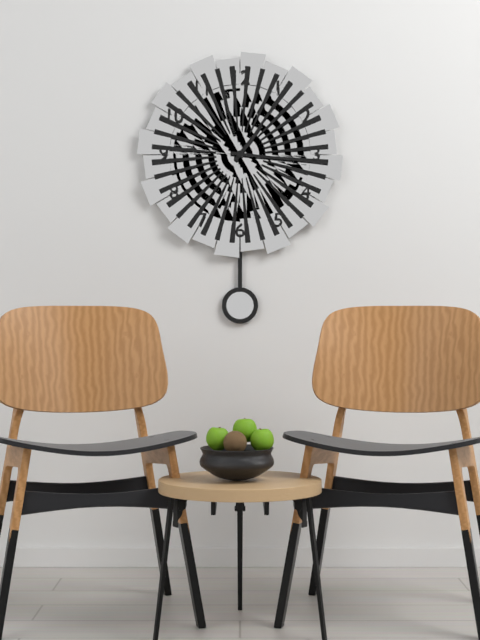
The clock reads 1:16
